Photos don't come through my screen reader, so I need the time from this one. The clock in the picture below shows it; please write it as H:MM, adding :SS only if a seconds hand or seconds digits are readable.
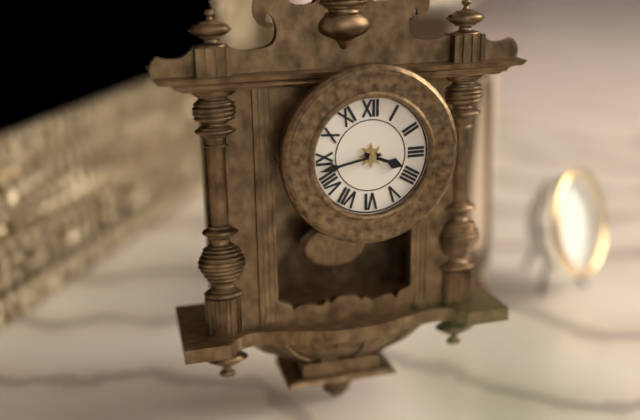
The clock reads 3:43
